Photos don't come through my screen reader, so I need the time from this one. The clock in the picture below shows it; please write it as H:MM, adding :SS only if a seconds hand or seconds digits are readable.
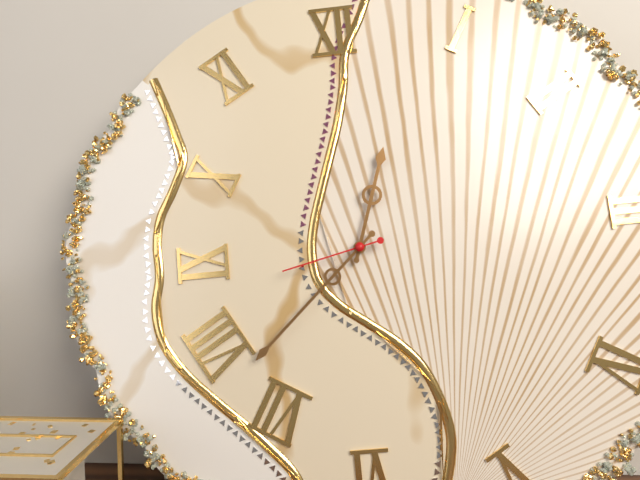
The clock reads 12:38:43
